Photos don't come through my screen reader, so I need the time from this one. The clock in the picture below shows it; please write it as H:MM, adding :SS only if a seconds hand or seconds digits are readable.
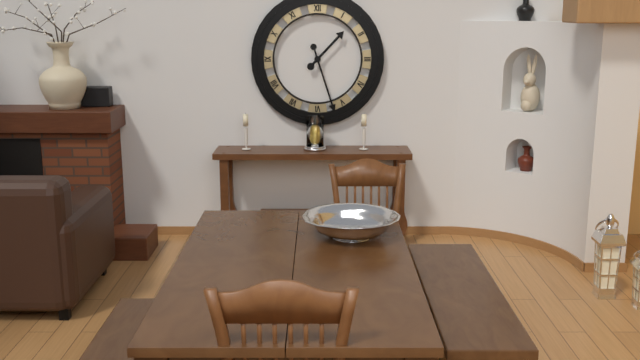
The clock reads 1:27
